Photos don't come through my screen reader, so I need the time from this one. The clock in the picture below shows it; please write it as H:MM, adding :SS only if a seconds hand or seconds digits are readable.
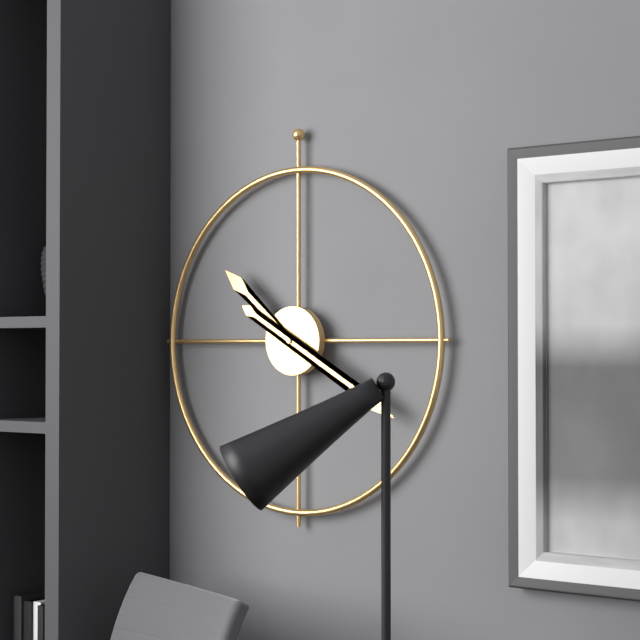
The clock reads 10:20
